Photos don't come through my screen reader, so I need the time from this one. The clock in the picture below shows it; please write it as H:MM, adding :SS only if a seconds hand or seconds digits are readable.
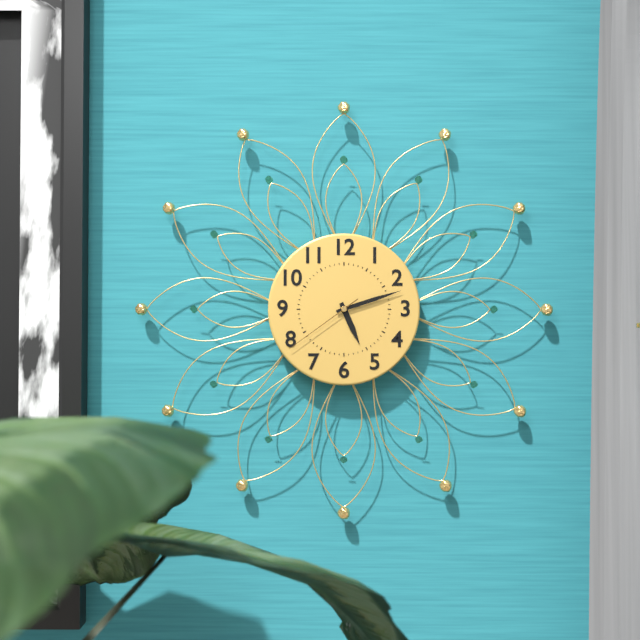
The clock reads 5:12:39
